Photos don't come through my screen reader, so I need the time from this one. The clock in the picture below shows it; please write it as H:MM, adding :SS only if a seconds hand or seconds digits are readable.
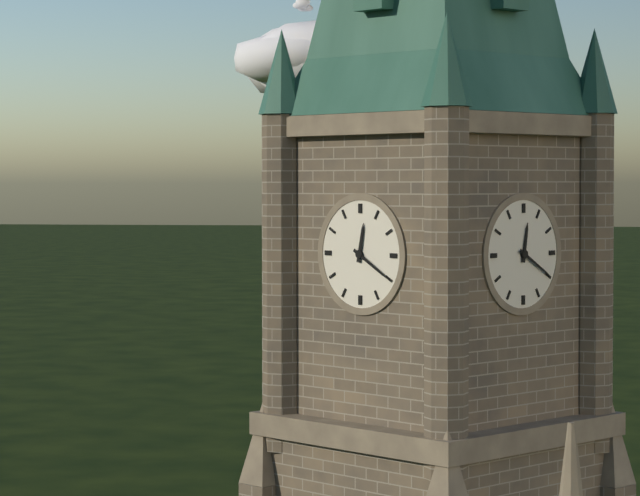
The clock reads 12:20
